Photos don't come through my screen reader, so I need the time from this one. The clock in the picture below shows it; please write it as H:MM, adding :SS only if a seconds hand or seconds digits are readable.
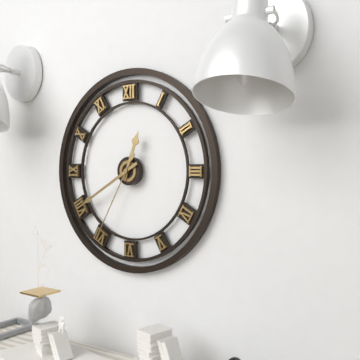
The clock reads 12:40:35
